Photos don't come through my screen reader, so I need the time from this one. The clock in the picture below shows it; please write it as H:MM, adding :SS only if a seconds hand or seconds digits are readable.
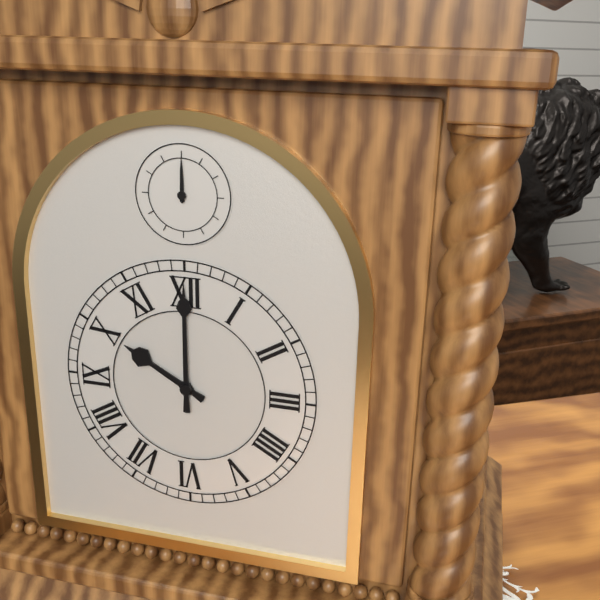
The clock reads 10:00
